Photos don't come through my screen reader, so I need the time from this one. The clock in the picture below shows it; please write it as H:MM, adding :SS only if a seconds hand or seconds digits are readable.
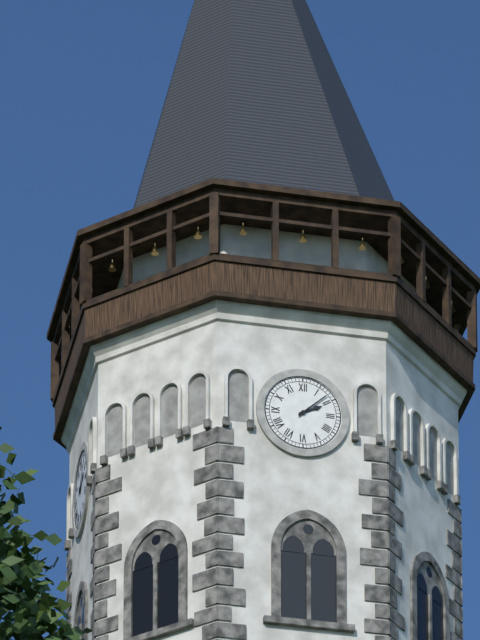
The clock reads 2:08
